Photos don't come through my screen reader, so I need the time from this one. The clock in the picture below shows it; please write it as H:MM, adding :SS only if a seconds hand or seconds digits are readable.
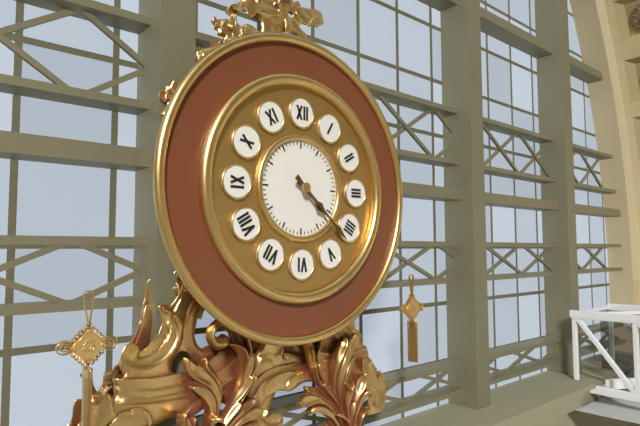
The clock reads 4:22
